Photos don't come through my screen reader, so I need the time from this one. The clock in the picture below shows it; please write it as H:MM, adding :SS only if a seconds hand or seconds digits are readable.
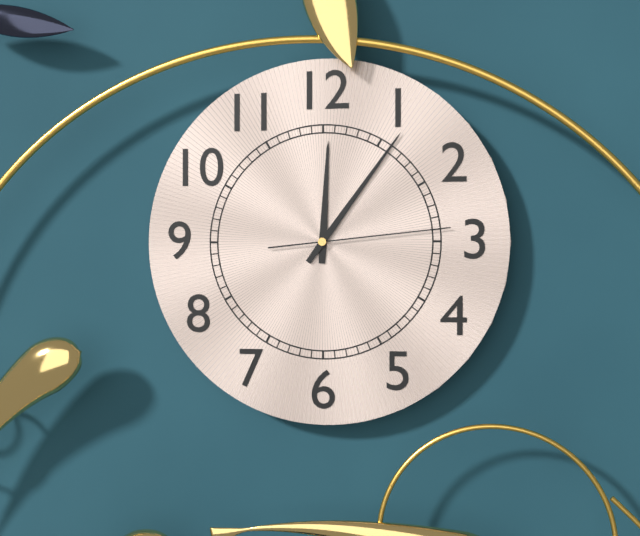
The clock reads 12:06:14
